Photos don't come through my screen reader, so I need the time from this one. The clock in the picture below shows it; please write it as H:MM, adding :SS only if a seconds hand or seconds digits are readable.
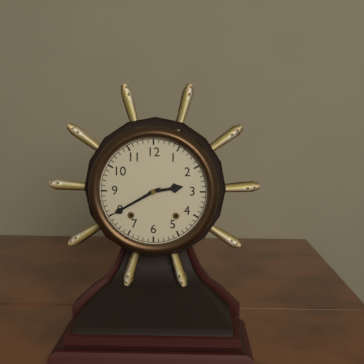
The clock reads 2:40
